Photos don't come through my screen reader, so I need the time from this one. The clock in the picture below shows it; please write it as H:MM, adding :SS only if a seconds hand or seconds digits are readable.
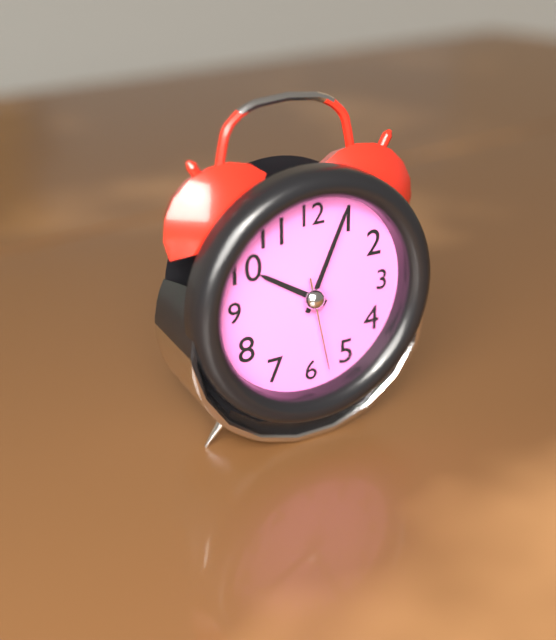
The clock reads 10:04:28
